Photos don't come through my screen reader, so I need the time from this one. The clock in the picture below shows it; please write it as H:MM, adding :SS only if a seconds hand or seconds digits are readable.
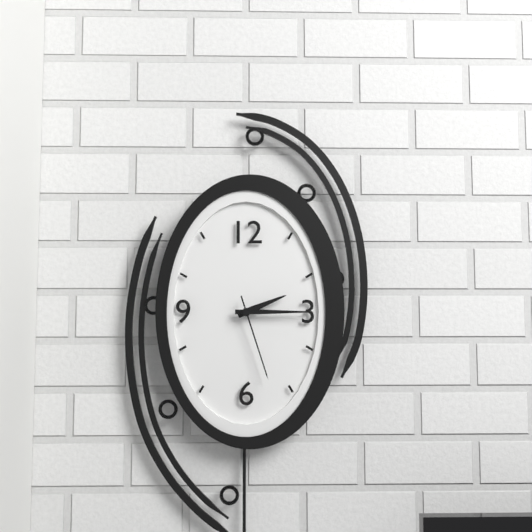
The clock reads 2:15:27
